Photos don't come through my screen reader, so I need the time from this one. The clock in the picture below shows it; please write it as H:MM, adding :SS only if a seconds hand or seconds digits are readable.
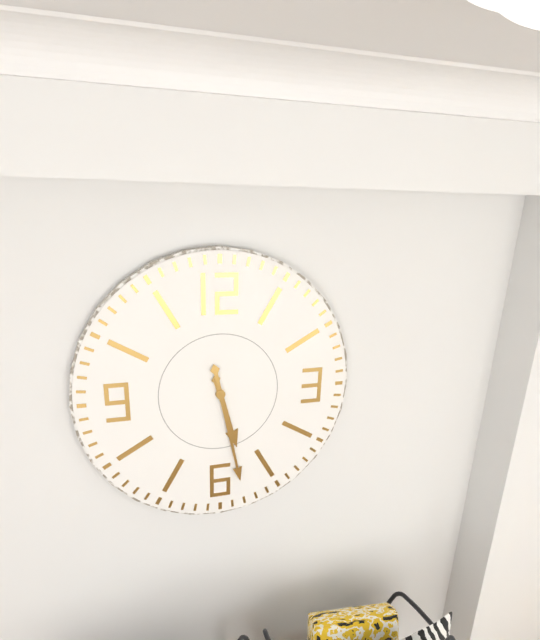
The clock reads 5:28
